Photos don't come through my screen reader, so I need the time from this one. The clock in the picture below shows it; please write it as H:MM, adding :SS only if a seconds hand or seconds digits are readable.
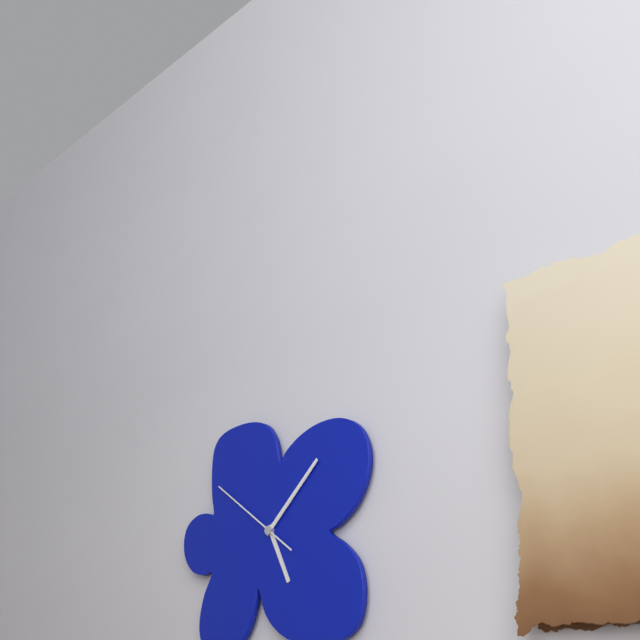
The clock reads 5:08:51
